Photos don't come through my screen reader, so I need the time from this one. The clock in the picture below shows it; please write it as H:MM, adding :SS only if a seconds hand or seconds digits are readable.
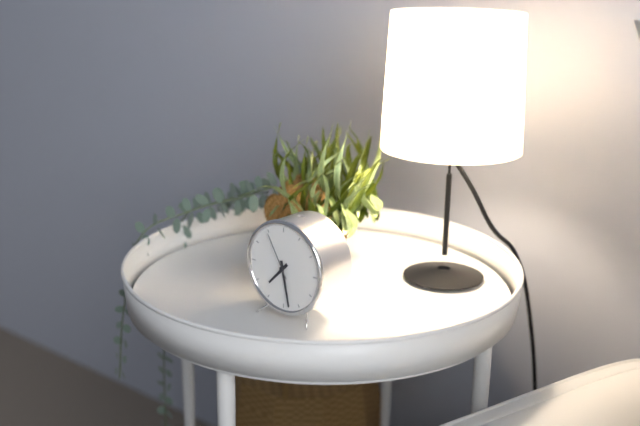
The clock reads 7:28
